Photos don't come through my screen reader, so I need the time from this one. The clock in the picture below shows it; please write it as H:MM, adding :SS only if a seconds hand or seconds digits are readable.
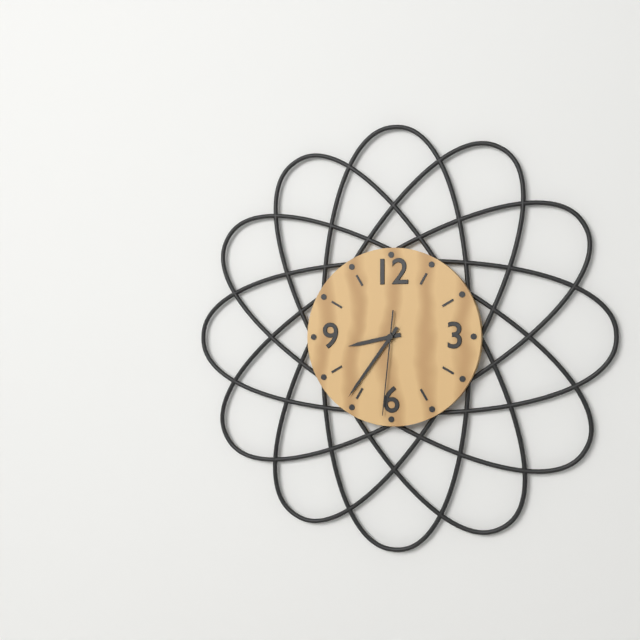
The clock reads 8:36:31
